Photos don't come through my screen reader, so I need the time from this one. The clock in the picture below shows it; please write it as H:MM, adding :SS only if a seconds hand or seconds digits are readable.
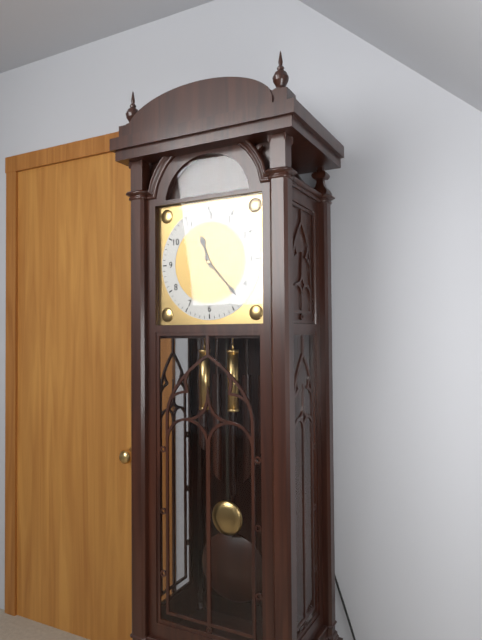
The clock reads 11:23
